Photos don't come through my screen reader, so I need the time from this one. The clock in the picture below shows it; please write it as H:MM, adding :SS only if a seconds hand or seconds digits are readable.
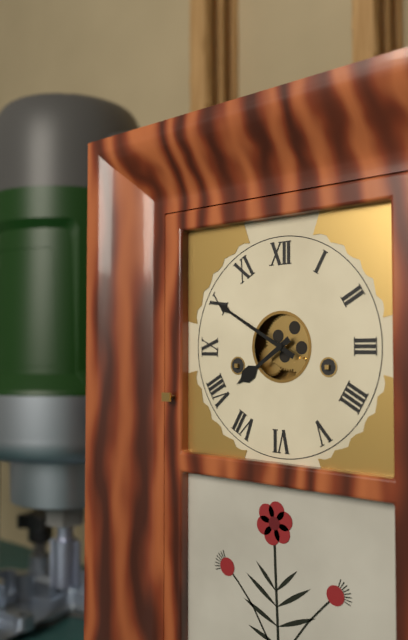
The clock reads 7:50
